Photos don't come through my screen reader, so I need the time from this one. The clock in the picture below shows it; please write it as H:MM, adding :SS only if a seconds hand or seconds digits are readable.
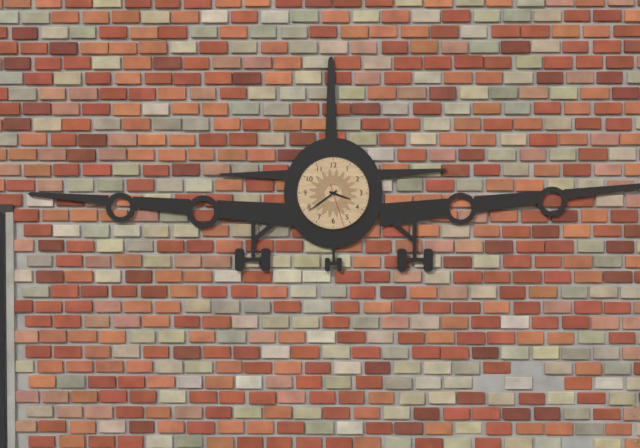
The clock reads 3:39
